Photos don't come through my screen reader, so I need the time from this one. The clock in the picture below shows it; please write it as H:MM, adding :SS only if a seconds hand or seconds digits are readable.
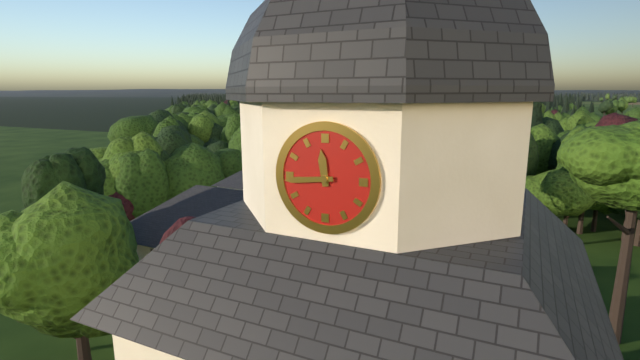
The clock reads 11:44
